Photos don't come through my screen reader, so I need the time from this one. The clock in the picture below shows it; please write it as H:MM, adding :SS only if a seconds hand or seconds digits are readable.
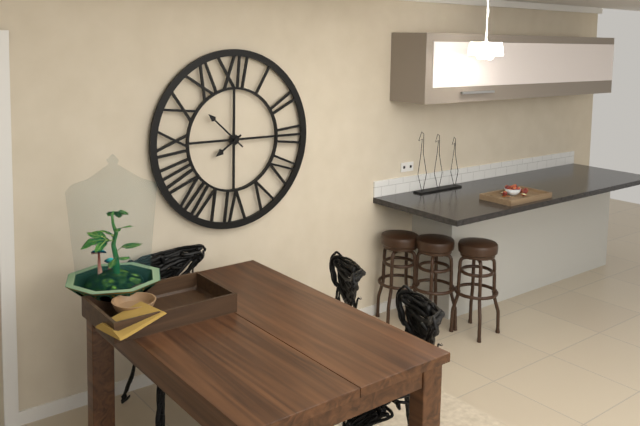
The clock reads 7:52
